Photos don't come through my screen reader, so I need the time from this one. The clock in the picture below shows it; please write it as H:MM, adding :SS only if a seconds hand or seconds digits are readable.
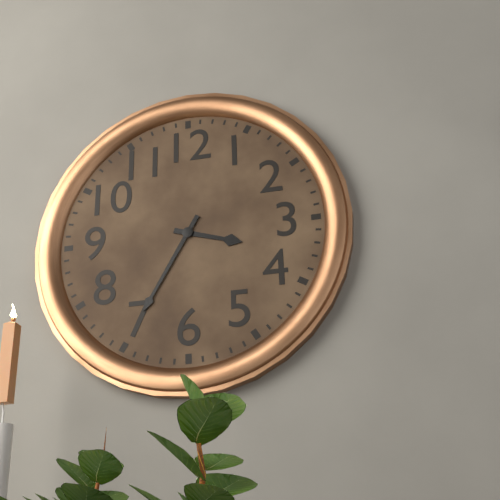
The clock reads 3:35
